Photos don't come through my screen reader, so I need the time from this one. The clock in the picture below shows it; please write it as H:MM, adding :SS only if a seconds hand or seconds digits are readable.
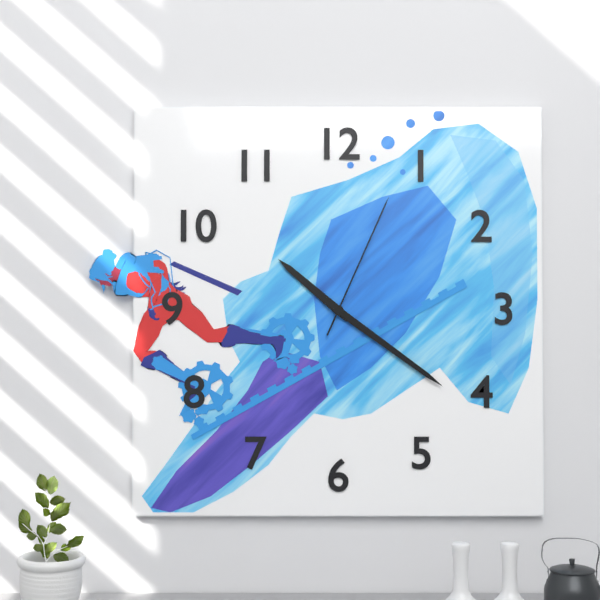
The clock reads 10:21:04
